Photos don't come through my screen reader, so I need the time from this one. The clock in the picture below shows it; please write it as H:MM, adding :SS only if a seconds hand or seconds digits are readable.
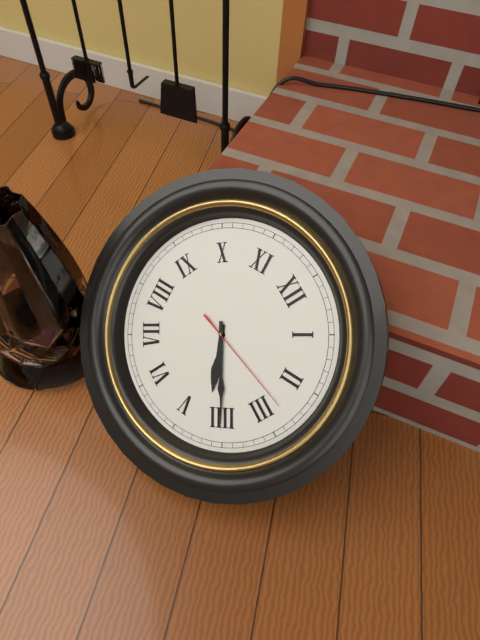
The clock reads 4:20:13
